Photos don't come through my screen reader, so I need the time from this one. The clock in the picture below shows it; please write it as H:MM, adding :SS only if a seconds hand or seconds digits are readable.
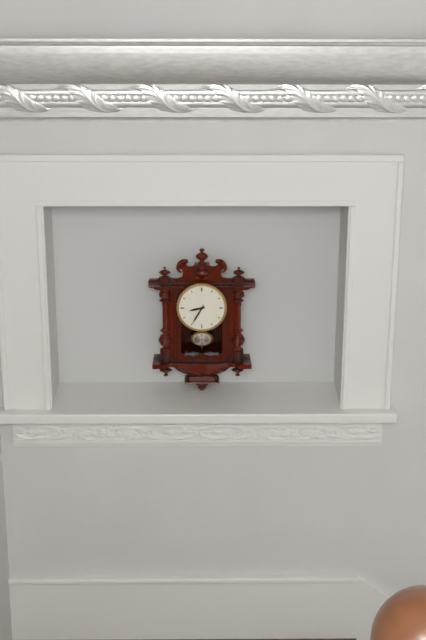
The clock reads 8:35
